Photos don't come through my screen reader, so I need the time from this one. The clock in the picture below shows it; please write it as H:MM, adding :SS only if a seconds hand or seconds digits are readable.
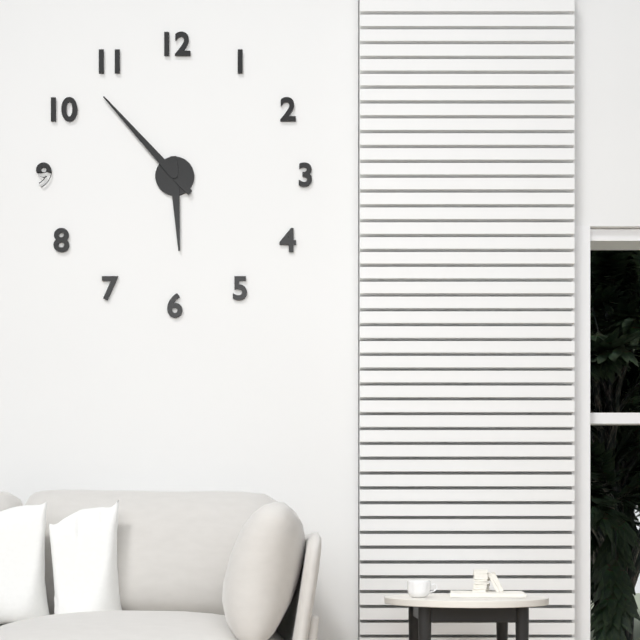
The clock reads 5:53
